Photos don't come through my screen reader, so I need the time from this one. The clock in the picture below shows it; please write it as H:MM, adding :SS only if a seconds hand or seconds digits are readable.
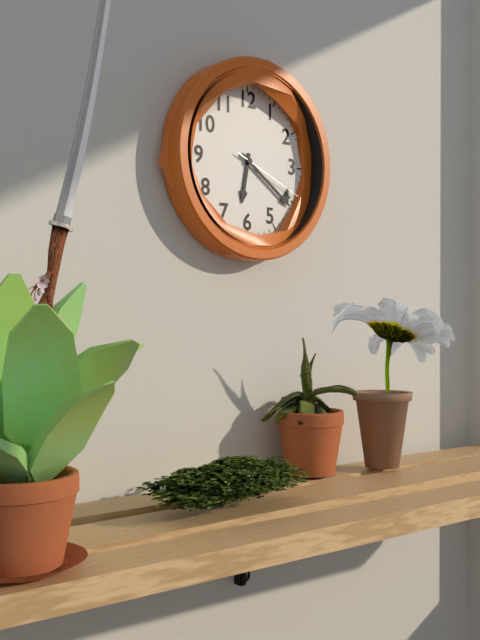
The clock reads 6:21:19
